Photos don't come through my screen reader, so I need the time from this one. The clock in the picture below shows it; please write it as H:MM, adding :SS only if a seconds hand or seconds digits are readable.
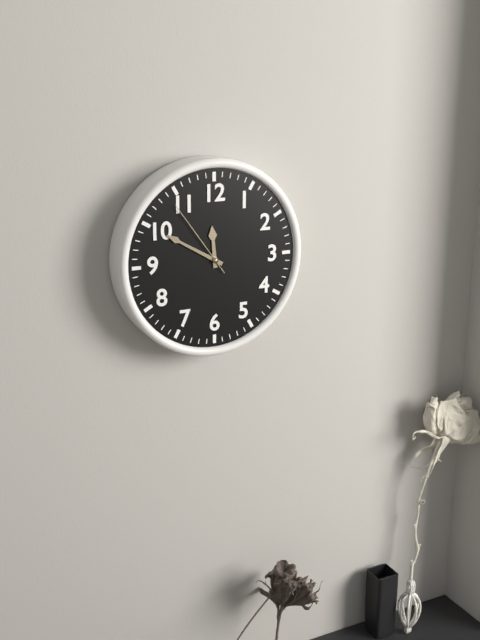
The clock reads 11:50:54
